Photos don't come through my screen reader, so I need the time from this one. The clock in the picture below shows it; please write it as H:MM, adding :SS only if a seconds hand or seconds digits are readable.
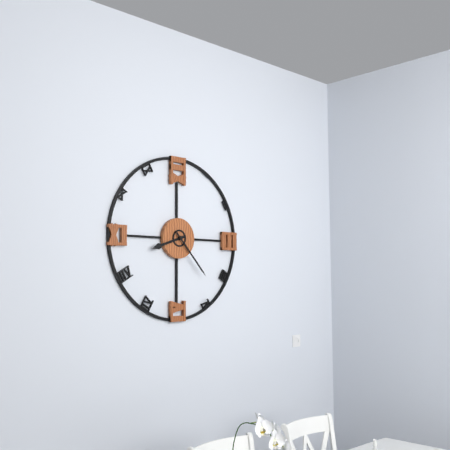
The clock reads 8:23
